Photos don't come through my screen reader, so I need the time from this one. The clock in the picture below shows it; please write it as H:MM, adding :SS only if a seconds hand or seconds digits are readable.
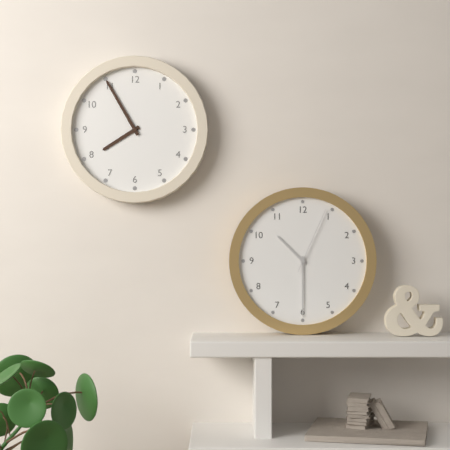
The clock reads 7:55
